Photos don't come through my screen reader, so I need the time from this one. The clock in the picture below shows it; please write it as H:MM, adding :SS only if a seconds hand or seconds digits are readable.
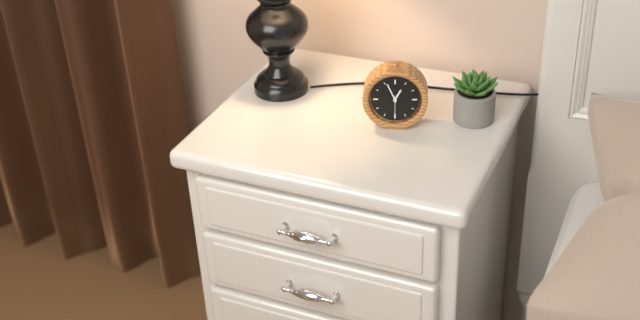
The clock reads 12:56
